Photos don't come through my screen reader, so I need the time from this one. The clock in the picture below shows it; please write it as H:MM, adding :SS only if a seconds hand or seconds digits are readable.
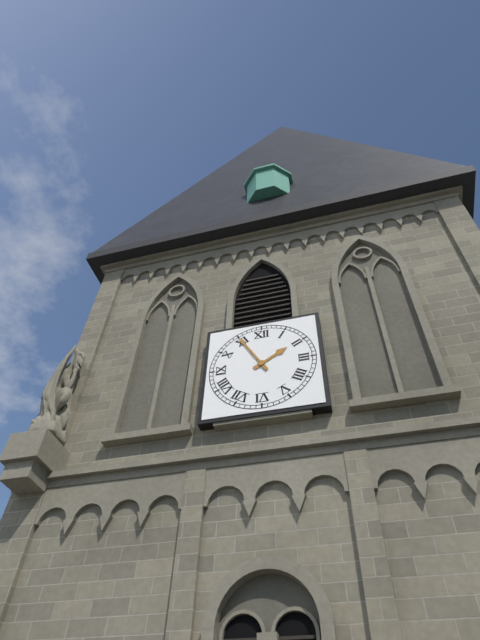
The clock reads 1:55
